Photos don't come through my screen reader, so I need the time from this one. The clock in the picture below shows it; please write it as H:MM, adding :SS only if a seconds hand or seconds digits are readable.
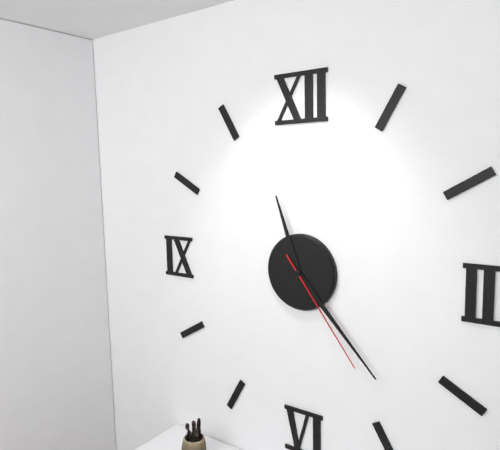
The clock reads 11:23:24
